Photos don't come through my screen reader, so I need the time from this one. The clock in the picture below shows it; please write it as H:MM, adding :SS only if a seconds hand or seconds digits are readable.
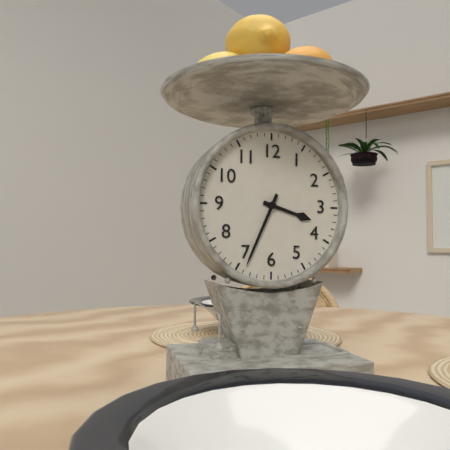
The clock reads 3:34
